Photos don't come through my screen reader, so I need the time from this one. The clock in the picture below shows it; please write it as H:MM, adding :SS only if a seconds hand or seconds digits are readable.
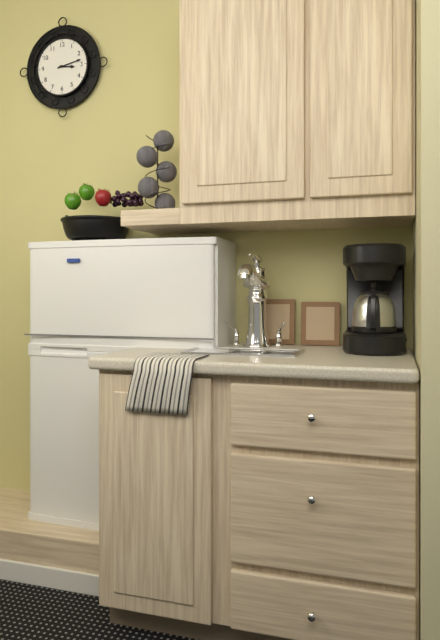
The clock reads 3:13
